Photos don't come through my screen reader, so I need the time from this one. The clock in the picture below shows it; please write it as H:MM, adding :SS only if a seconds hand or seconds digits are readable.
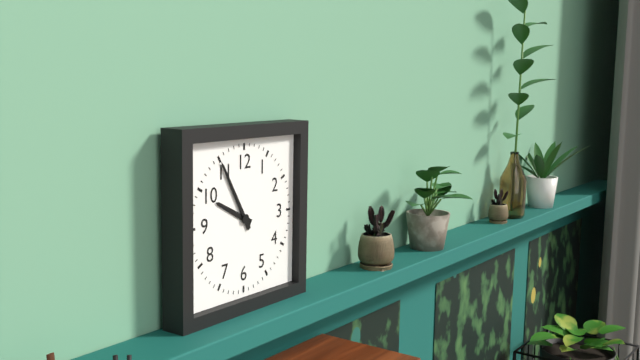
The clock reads 9:55
